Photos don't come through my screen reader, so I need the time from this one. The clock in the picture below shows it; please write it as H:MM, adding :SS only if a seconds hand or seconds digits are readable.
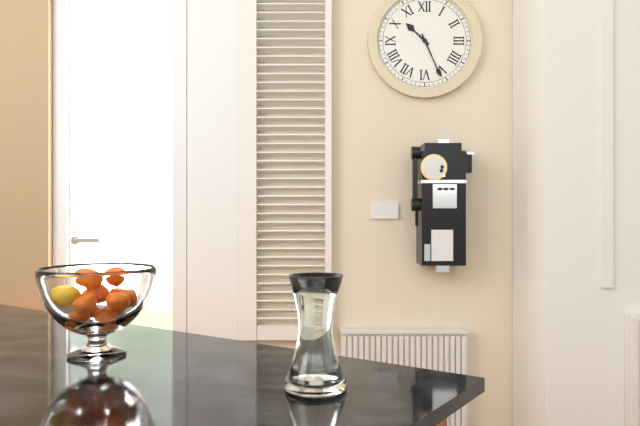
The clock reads 10:26
